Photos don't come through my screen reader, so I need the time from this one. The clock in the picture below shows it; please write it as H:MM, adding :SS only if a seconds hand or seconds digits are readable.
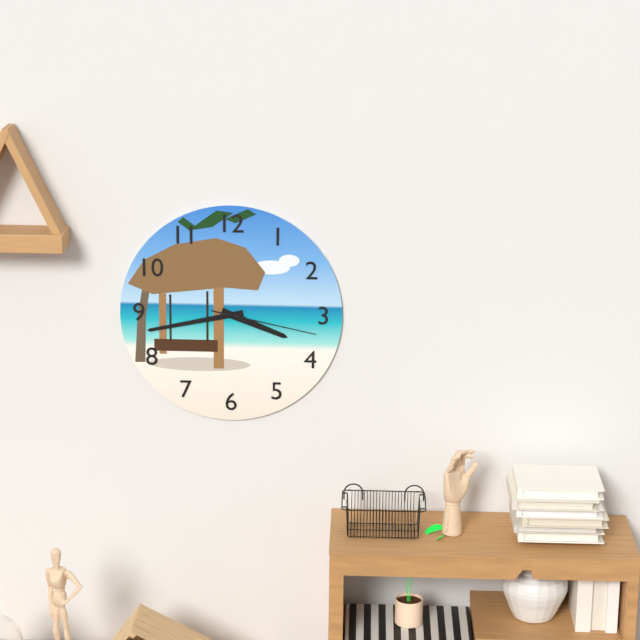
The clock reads 3:43:17
